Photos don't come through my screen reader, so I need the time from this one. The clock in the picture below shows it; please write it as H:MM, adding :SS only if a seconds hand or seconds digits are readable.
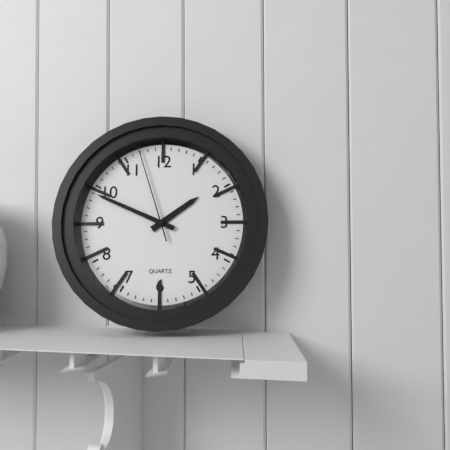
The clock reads 1:49:57
